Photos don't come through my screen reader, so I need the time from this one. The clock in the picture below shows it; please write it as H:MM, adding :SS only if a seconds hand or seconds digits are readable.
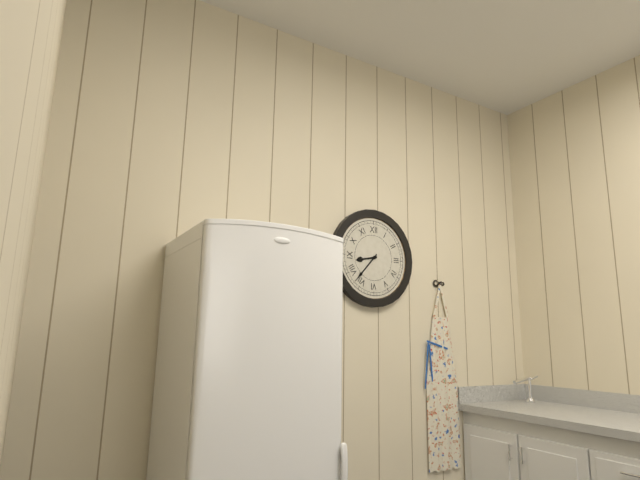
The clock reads 8:37
